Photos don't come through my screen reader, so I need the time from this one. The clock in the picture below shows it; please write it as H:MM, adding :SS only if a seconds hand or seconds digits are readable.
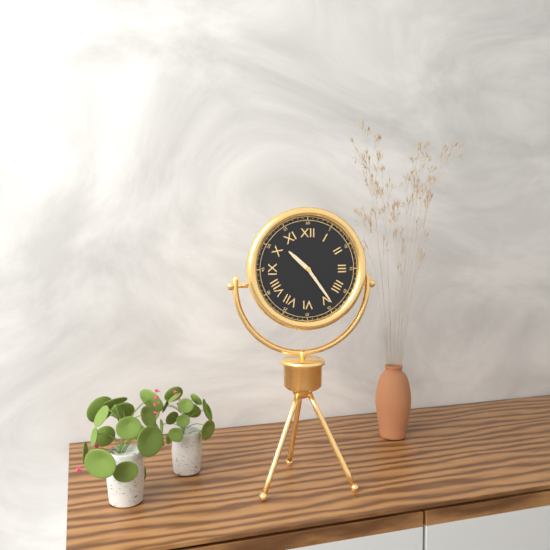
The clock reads 10:24
